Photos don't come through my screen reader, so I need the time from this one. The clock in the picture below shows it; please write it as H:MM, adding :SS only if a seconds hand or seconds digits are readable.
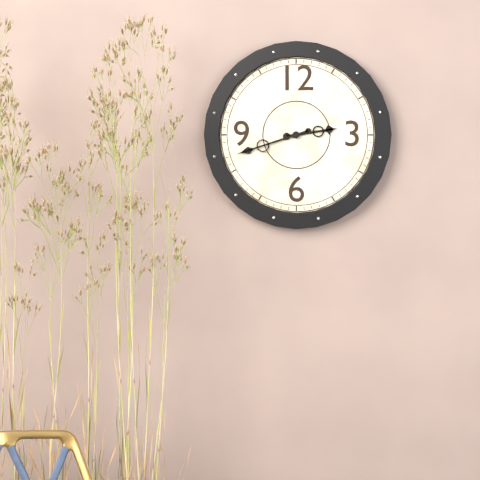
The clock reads 2:42
